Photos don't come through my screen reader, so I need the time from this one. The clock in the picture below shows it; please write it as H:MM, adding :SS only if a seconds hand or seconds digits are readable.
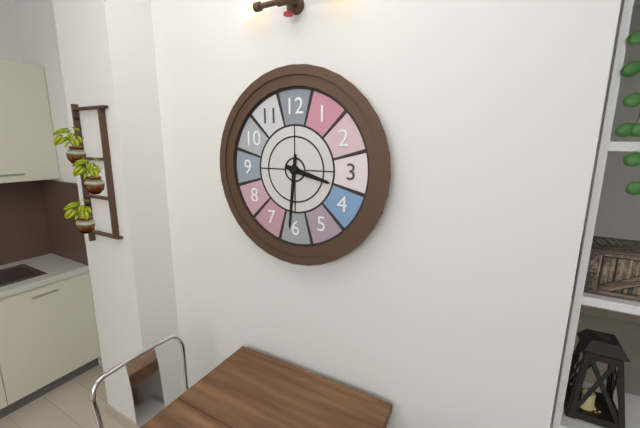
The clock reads 3:31
